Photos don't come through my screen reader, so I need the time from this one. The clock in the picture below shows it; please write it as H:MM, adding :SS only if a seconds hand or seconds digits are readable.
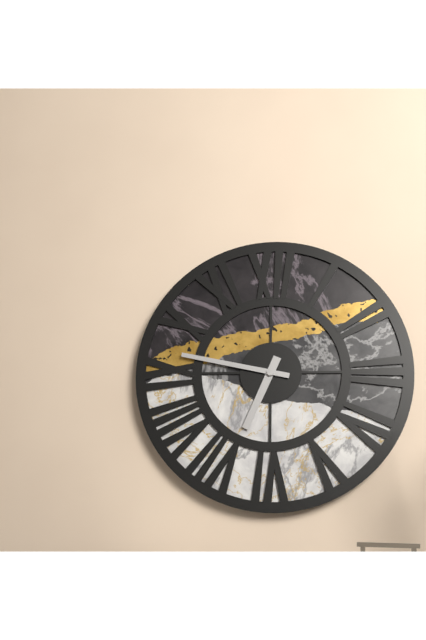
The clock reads 6:47
